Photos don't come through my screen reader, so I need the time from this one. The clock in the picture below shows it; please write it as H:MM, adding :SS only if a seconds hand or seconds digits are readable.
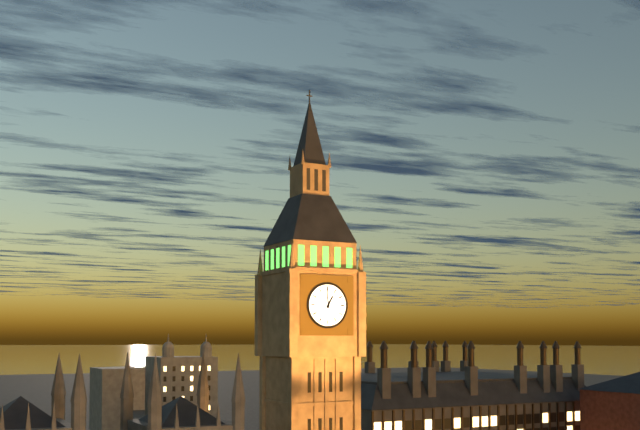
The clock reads 12:59
